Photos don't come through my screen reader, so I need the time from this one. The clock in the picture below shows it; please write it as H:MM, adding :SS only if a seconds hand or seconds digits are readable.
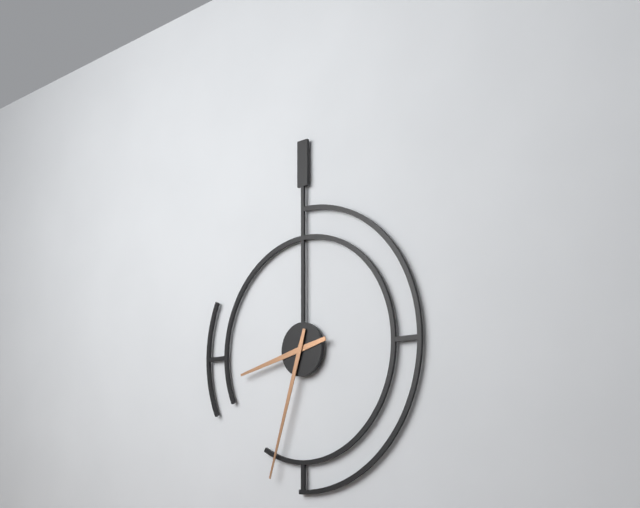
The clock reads 8:33
